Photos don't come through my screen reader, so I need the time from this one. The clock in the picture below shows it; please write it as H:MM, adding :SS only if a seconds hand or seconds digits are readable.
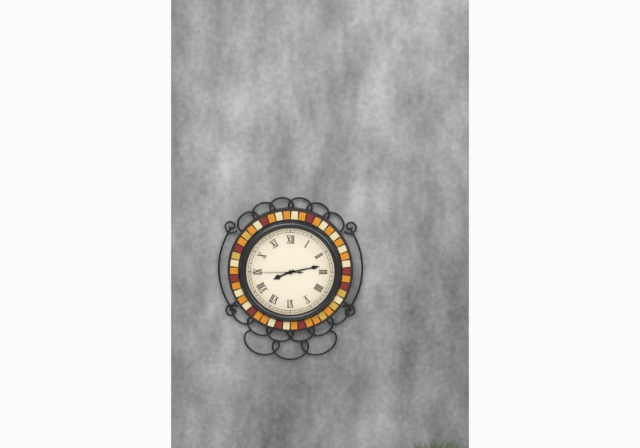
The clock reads 8:13:45
